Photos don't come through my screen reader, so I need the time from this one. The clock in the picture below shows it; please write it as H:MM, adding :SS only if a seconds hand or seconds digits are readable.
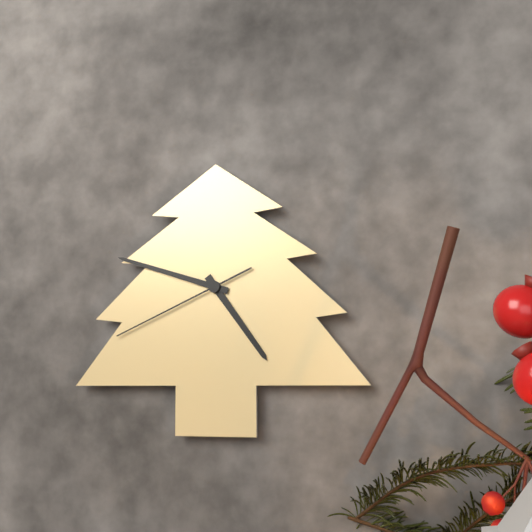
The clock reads 4:48:41
